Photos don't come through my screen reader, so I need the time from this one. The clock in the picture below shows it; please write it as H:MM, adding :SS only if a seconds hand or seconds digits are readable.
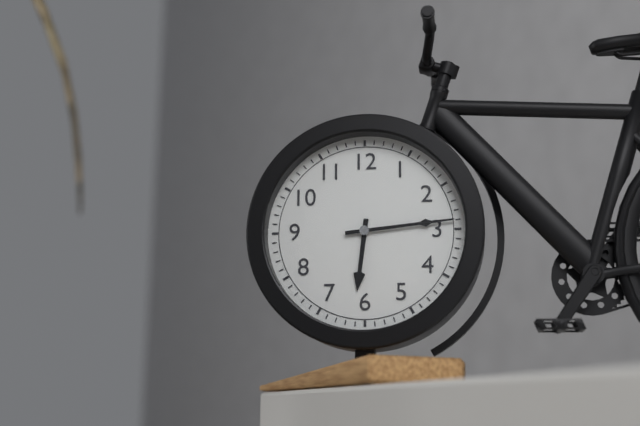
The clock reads 6:14
